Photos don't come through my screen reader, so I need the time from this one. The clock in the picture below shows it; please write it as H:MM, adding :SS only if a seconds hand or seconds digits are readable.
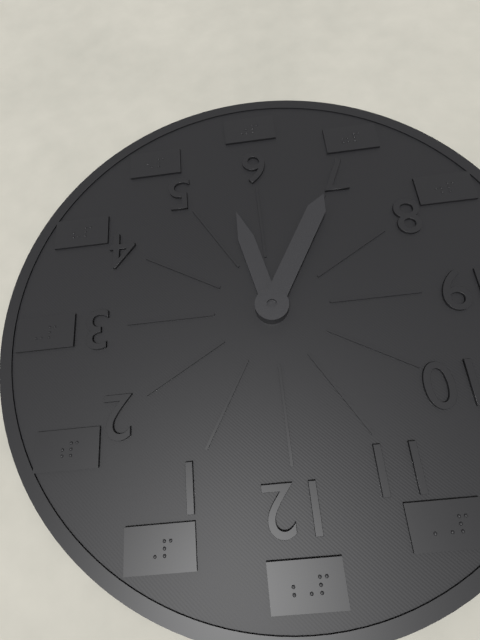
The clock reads 5:35
